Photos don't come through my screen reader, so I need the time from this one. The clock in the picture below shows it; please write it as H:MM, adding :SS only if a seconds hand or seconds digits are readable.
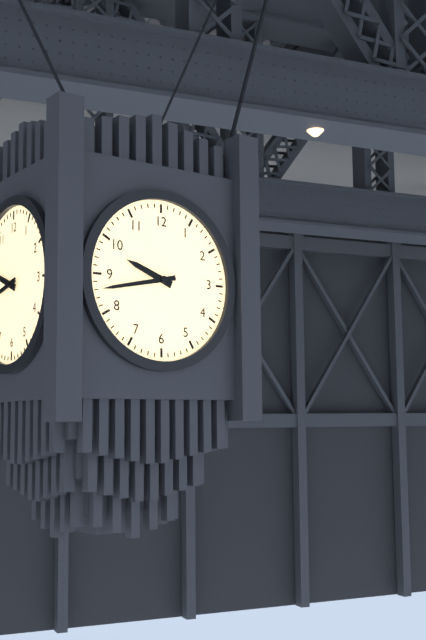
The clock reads 9:43
